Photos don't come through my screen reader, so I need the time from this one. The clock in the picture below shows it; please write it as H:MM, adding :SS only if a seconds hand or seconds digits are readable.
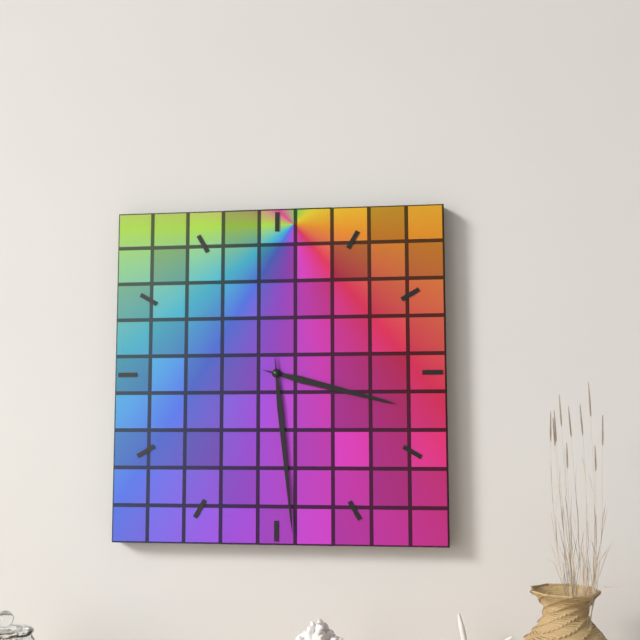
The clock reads 3:29
